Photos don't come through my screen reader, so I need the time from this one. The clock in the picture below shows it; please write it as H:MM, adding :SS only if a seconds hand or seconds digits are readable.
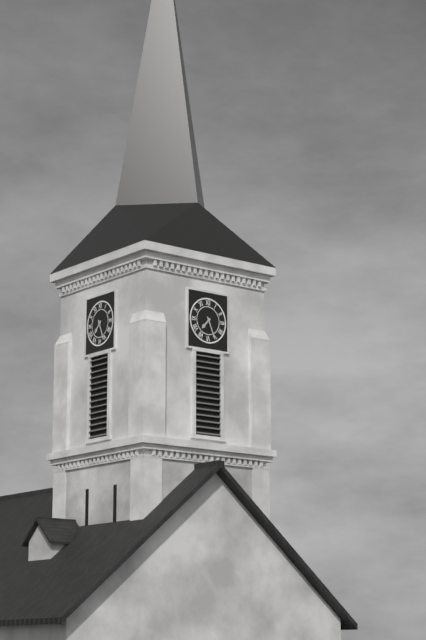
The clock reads 7:26
